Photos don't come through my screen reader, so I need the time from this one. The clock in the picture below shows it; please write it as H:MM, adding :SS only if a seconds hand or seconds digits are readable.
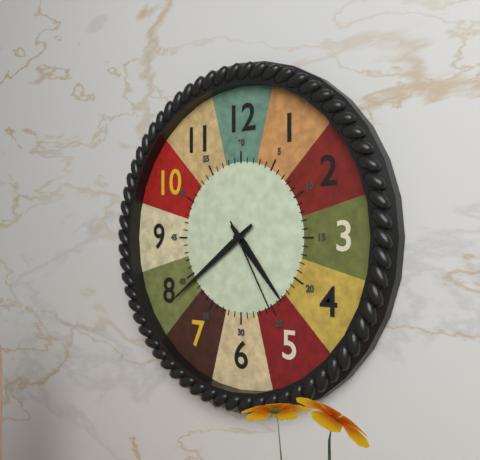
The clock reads 4:39:25
